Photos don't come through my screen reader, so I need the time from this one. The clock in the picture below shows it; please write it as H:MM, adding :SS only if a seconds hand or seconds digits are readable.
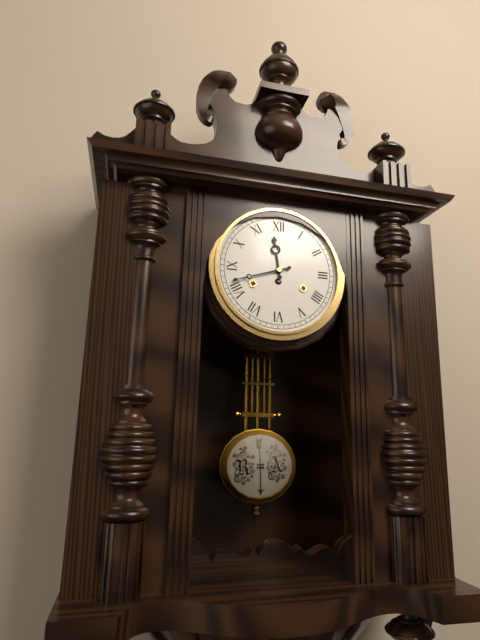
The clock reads 11:42
